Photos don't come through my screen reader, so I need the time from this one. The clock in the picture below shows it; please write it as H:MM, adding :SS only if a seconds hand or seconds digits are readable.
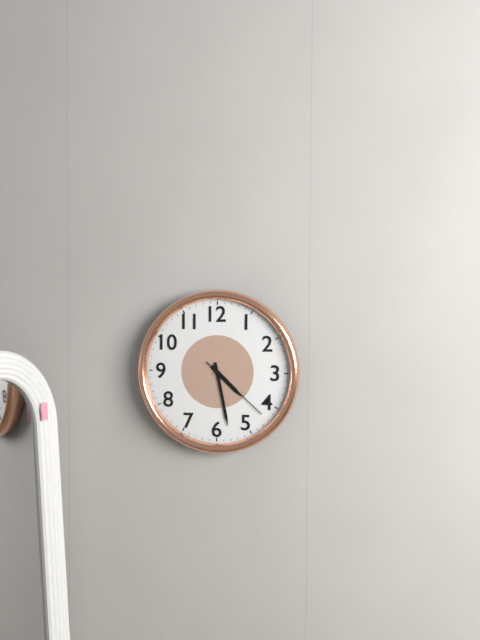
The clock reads 4:28:22
